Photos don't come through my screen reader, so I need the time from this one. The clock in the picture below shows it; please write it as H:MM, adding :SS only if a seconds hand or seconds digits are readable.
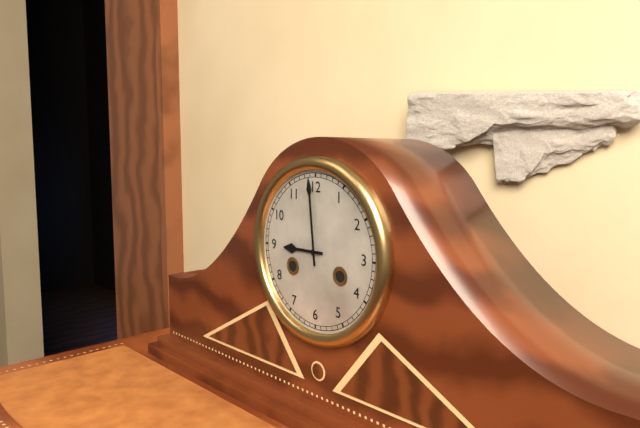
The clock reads 8:59
